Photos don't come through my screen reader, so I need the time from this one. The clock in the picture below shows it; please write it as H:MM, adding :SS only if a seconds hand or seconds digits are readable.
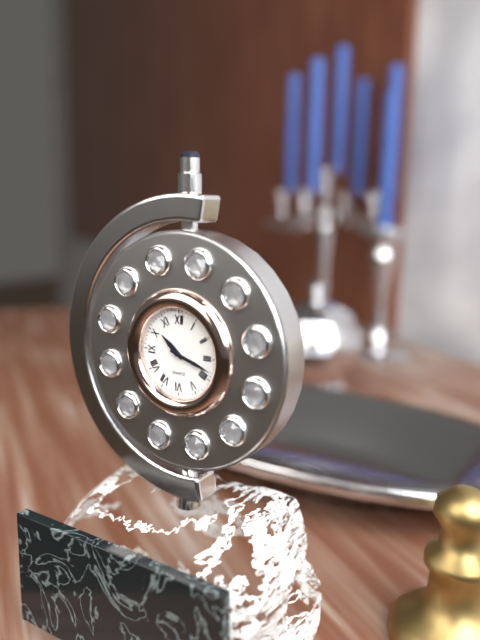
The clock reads 10:18
